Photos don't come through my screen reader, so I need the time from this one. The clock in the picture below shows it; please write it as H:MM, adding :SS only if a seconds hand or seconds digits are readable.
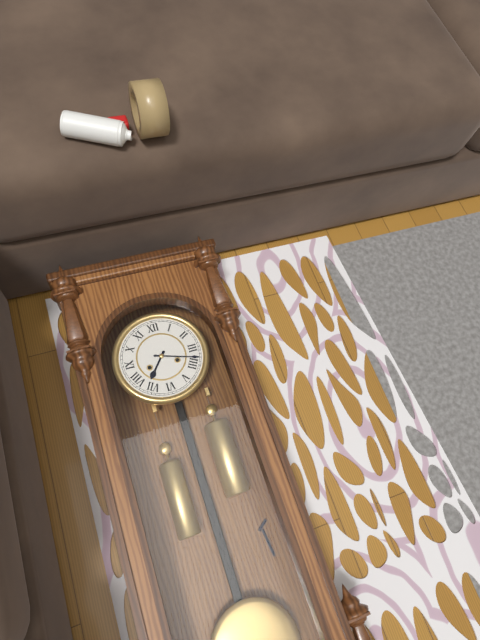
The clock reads 7:18
